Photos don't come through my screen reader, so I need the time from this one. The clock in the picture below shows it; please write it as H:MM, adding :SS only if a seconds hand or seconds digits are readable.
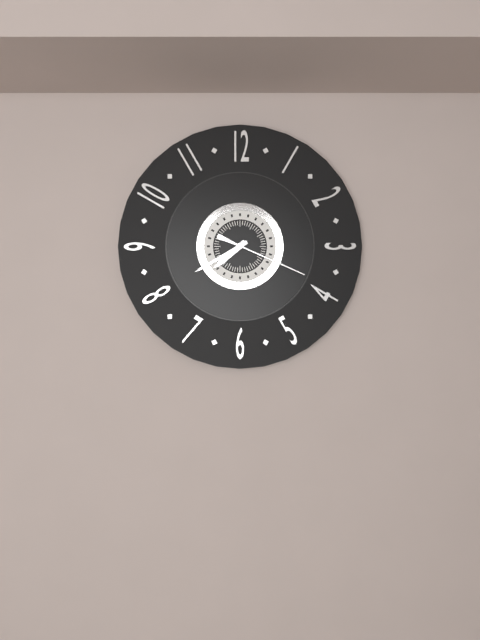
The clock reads 7:40:19
